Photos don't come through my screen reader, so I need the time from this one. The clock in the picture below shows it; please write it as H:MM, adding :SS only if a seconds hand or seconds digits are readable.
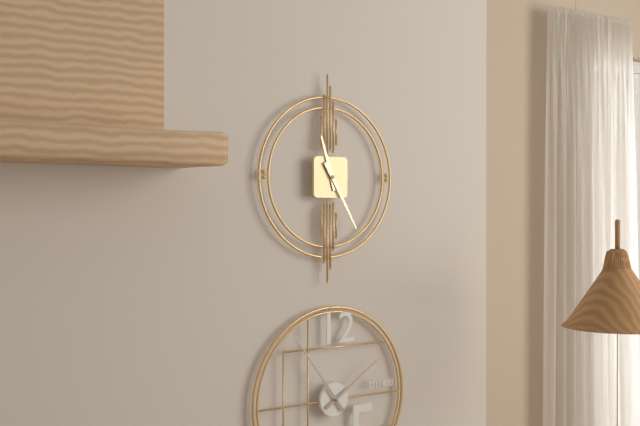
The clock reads 11:25
